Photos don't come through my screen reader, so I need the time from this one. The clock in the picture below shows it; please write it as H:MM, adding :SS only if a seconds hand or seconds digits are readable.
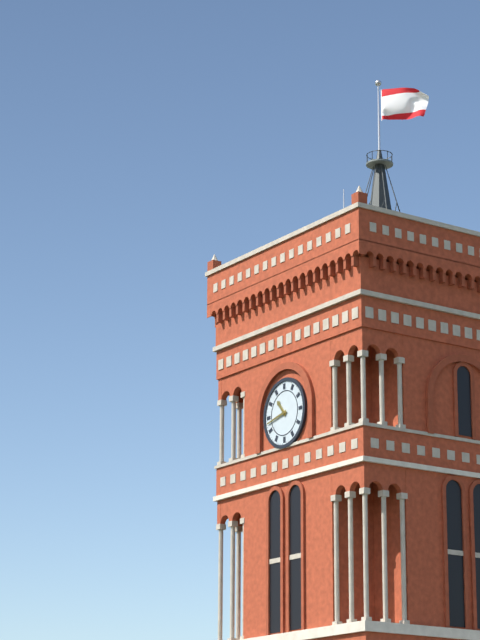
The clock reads 10:43
